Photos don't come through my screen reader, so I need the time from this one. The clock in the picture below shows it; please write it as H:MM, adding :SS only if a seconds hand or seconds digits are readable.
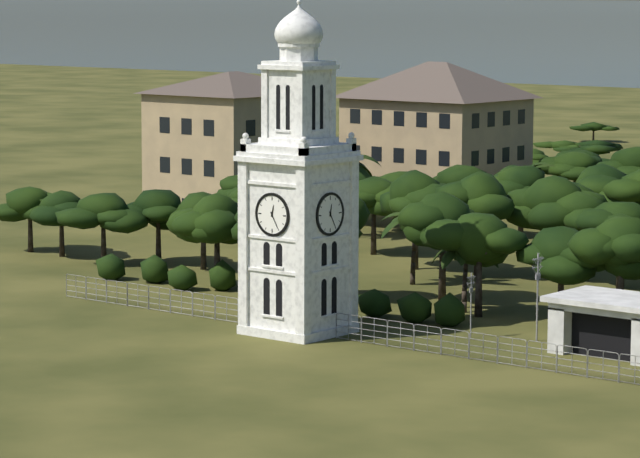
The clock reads 12:25
